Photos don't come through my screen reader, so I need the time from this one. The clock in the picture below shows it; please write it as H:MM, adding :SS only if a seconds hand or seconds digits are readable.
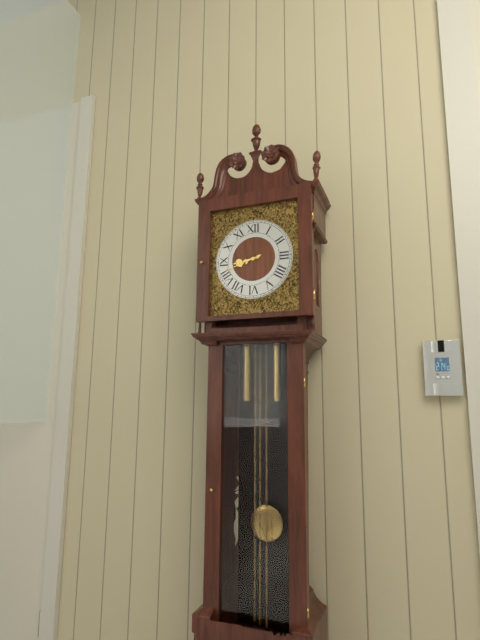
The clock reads 8:42
